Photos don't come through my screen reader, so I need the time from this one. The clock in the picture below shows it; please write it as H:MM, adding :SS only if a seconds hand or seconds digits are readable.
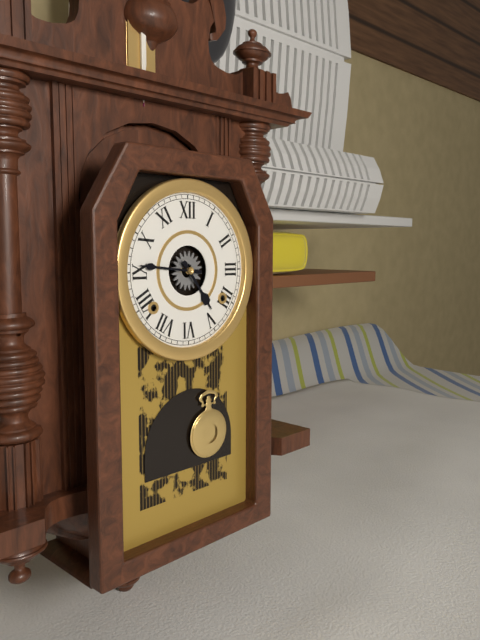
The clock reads 4:46
